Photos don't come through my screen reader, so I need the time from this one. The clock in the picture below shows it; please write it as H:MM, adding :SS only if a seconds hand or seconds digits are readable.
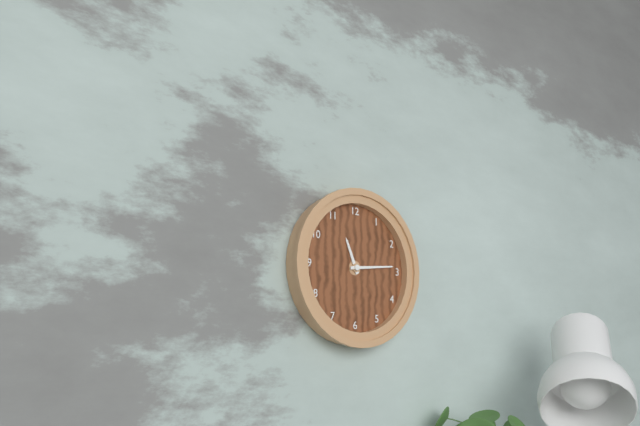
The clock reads 11:14
